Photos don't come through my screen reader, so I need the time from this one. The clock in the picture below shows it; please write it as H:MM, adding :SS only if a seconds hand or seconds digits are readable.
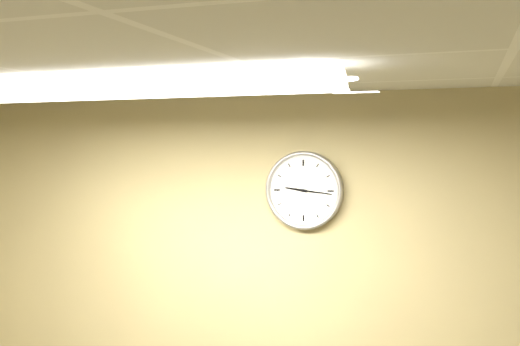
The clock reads 9:16
